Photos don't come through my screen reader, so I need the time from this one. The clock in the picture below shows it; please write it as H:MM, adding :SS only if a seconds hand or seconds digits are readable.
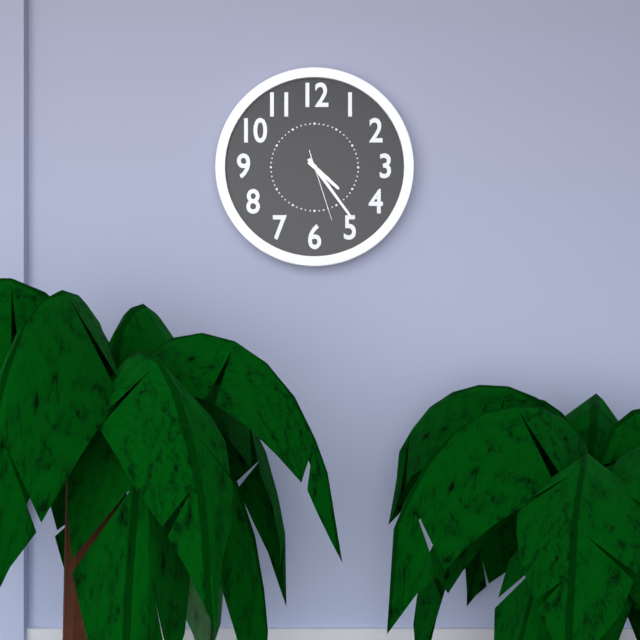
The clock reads 4:24:27
